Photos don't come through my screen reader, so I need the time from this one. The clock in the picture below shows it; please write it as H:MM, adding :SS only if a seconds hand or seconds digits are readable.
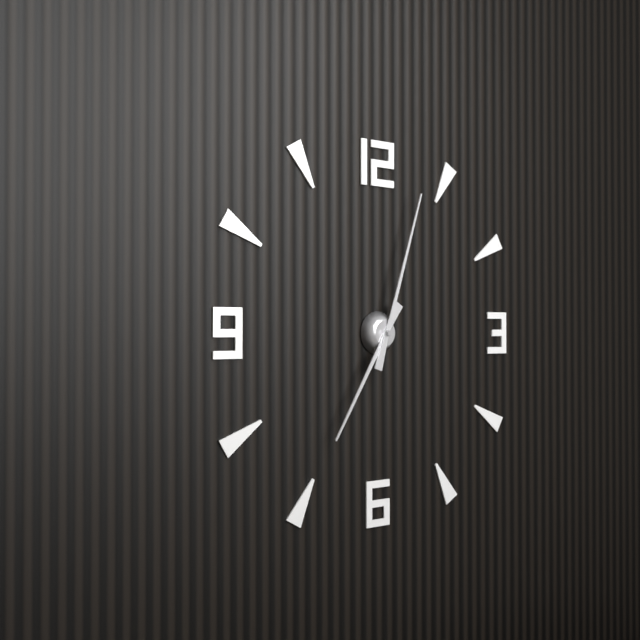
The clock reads 7:03
